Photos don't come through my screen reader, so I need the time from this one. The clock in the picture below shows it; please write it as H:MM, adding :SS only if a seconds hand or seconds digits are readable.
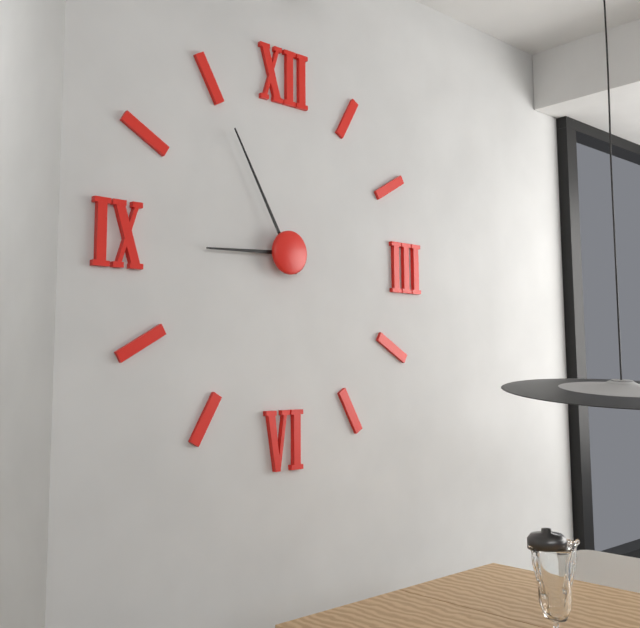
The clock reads 8:55
